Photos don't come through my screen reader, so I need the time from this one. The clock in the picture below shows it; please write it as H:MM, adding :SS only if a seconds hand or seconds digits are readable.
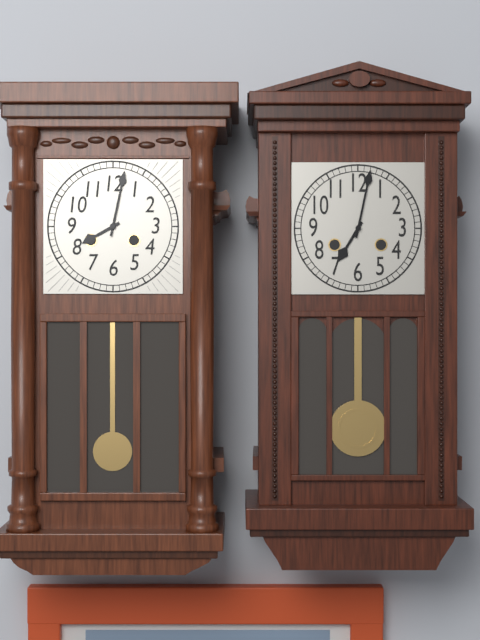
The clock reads 8:02
